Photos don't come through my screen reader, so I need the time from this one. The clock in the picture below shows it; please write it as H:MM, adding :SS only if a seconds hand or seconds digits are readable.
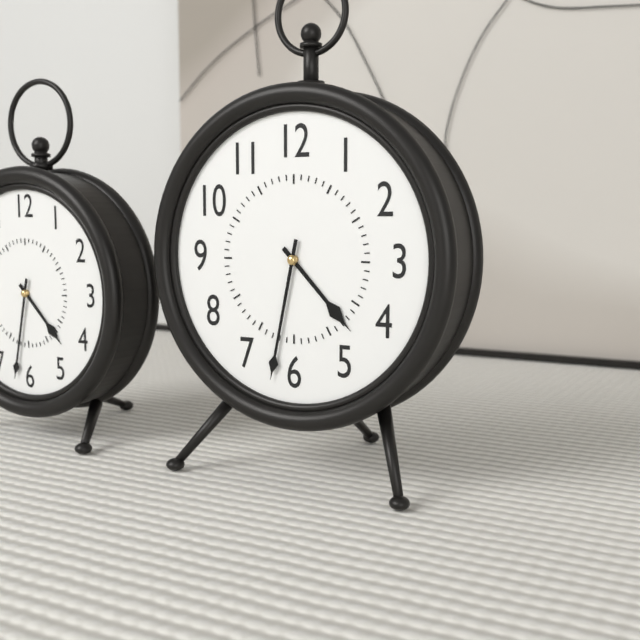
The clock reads 4:32
